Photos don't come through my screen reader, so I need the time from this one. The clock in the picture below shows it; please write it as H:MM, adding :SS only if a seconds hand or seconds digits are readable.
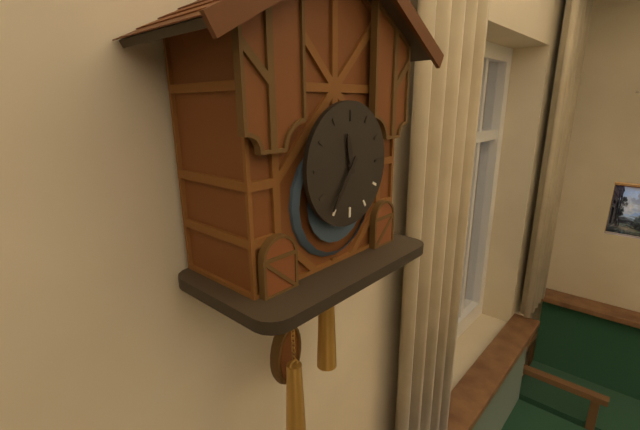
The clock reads 11:36
